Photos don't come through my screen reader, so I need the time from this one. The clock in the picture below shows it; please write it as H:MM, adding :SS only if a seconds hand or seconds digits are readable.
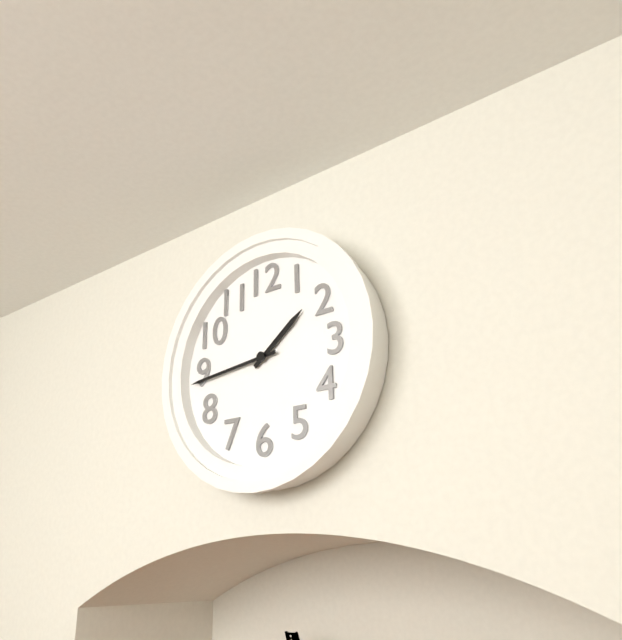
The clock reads 1:44
